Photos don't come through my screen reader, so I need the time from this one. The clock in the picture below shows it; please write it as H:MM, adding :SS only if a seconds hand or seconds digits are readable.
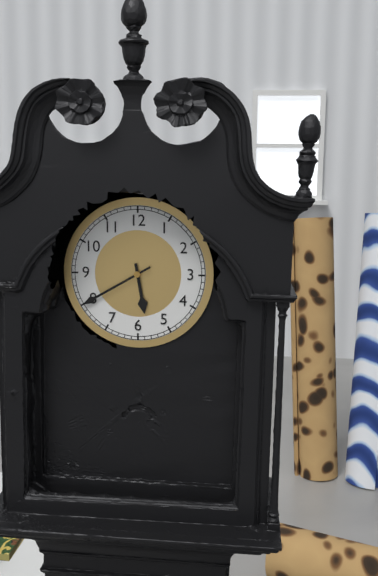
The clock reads 5:40
